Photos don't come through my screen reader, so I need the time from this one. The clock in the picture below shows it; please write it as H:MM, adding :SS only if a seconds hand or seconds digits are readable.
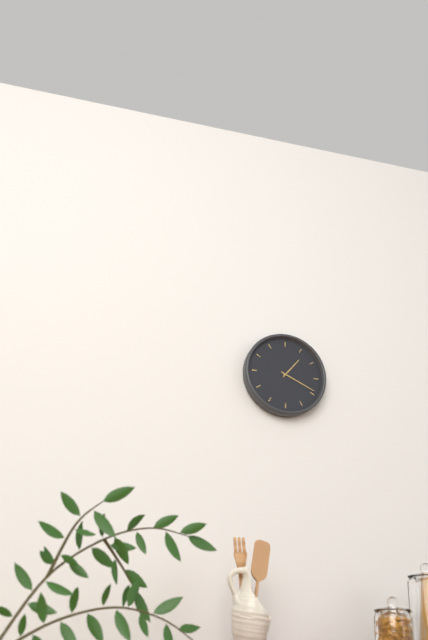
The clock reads 1:19
